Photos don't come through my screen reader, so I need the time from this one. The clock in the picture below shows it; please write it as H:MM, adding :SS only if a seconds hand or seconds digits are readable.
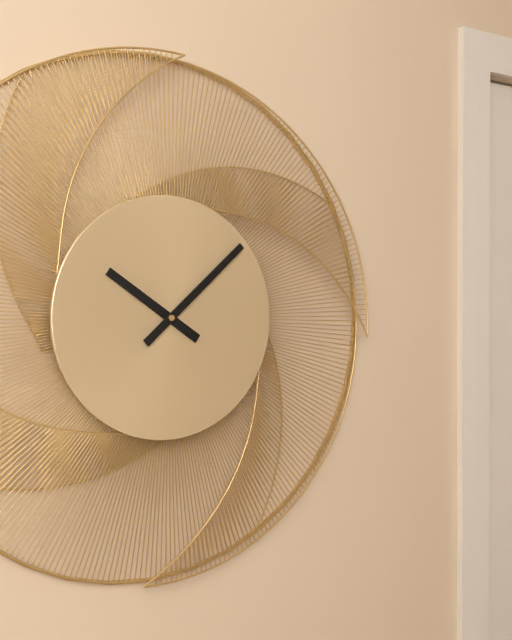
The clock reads 10:08
